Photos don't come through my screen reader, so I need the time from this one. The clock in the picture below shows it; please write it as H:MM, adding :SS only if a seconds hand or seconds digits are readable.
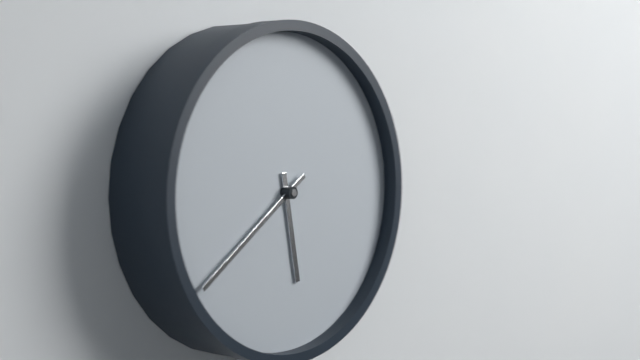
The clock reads 5:39
